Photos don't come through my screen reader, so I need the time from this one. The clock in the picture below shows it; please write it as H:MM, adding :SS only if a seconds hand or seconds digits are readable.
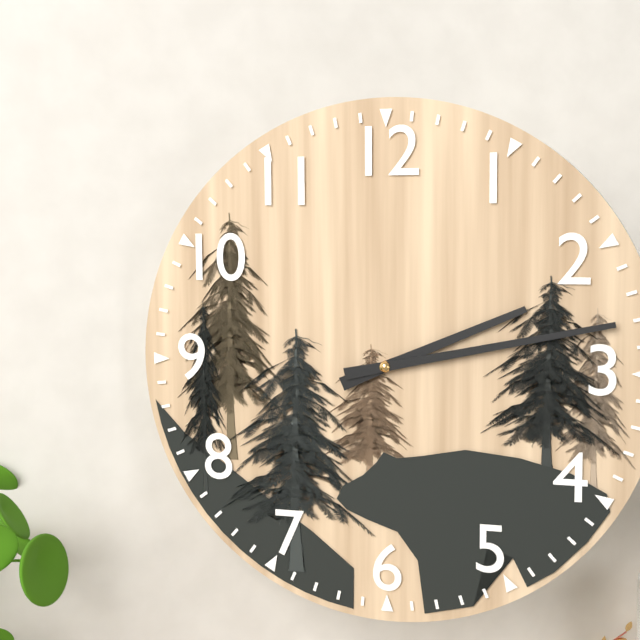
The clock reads 2:13
